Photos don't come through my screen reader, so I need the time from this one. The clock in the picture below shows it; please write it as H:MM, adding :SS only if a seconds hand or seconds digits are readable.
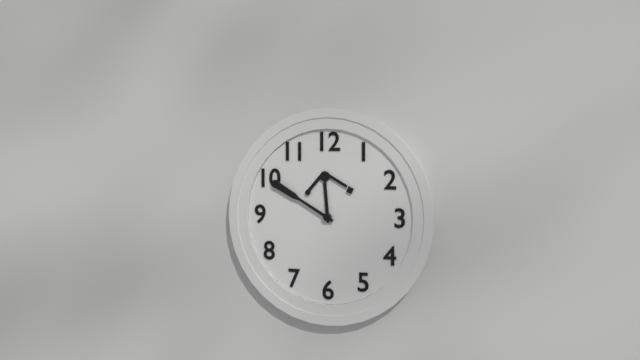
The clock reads 11:50
